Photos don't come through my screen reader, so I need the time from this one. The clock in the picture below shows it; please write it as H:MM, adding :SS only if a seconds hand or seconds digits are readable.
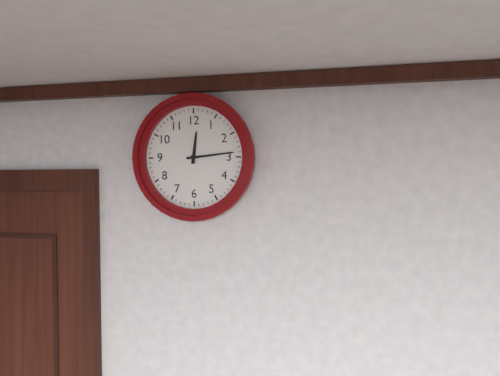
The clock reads 12:14
